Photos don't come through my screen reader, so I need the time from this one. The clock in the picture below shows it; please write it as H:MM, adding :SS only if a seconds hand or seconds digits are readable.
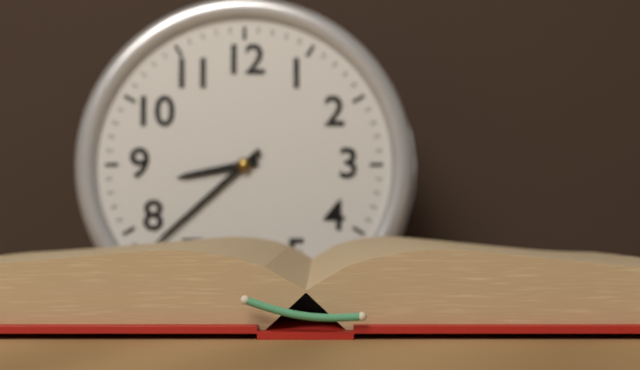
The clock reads 8:38
